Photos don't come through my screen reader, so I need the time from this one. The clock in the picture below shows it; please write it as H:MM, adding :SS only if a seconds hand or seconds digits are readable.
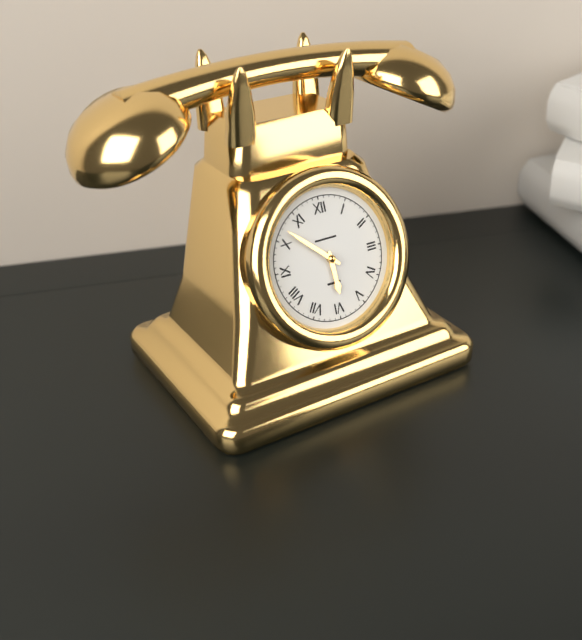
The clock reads 5:52
